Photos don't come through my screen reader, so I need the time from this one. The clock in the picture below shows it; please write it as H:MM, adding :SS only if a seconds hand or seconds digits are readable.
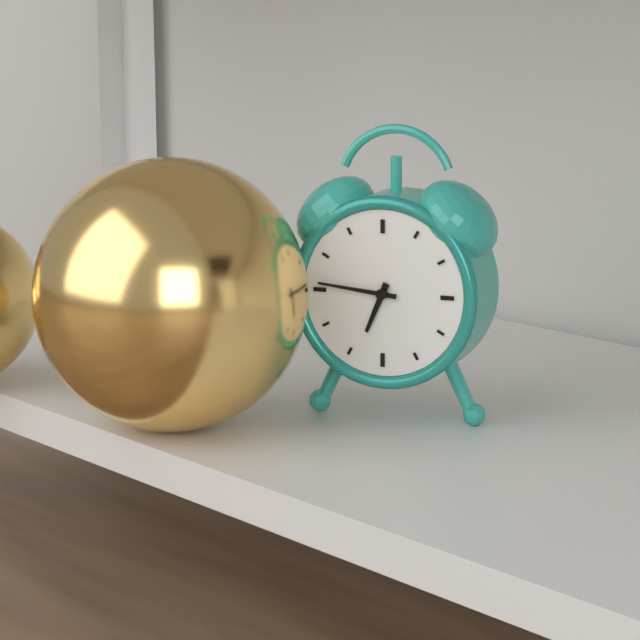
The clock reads 6:46
